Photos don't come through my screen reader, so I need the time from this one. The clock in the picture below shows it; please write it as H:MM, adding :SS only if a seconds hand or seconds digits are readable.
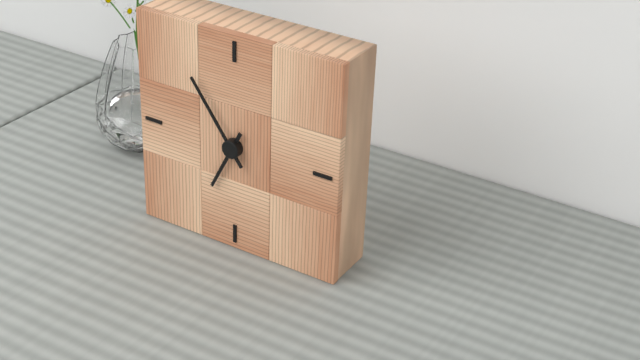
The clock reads 6:54
